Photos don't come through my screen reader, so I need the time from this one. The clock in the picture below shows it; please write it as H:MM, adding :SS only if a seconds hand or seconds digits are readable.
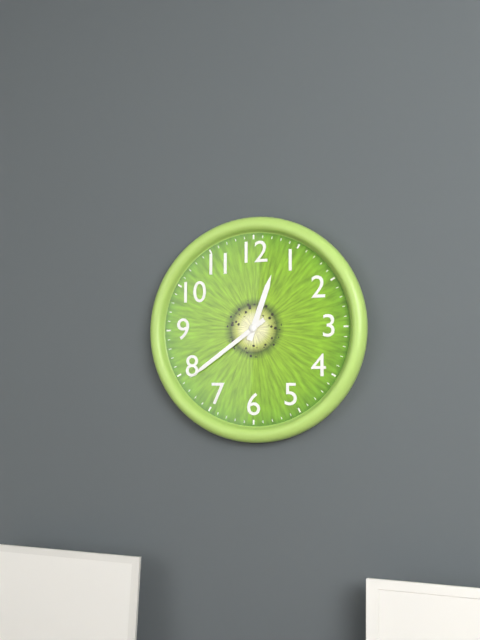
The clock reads 12:39
